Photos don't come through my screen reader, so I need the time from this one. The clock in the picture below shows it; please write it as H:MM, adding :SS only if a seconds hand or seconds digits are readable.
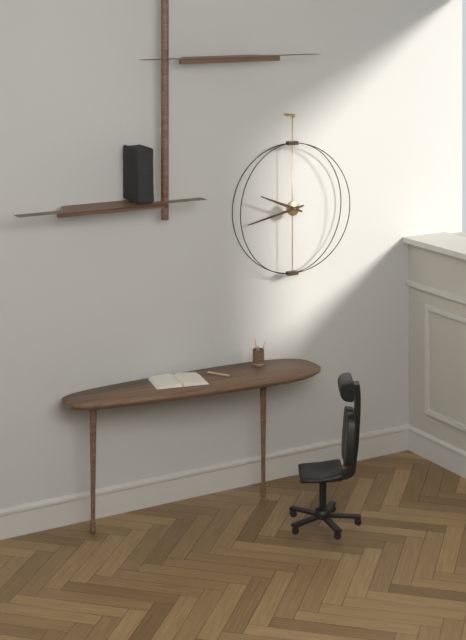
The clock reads 9:43
